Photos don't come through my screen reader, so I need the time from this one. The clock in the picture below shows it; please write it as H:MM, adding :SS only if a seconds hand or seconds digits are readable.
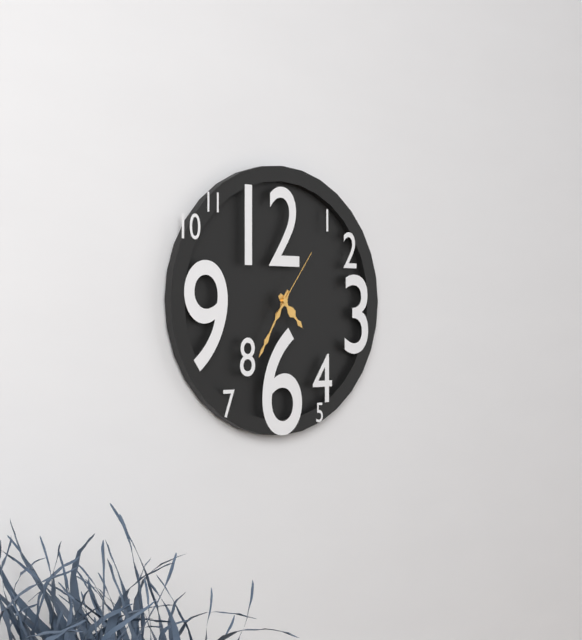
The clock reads 4:35:06
